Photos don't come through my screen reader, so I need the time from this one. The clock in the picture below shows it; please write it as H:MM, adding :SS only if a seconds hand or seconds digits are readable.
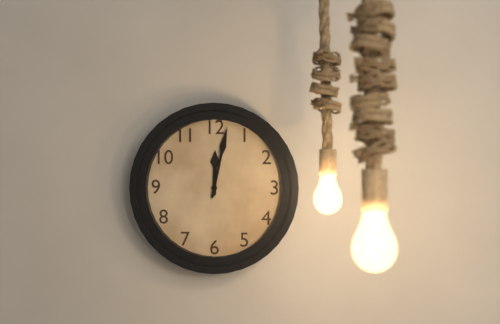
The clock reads 12:02
